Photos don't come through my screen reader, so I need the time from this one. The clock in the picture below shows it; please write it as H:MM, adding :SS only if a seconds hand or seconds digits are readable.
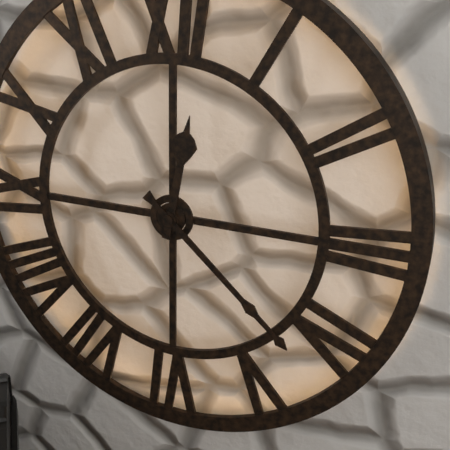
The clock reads 12:22
